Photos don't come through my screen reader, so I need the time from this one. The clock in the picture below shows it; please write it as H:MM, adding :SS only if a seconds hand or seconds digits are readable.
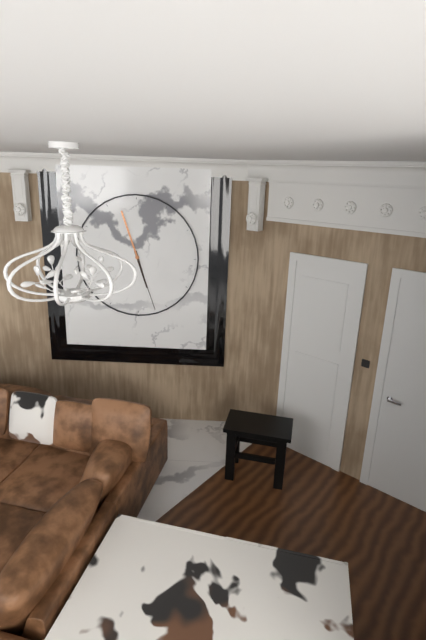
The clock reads 5:27
